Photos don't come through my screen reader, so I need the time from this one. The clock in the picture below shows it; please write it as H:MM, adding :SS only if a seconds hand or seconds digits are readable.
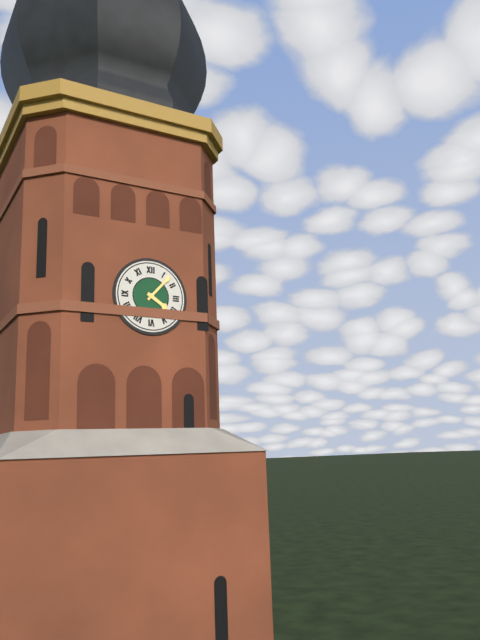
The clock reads 4:07
